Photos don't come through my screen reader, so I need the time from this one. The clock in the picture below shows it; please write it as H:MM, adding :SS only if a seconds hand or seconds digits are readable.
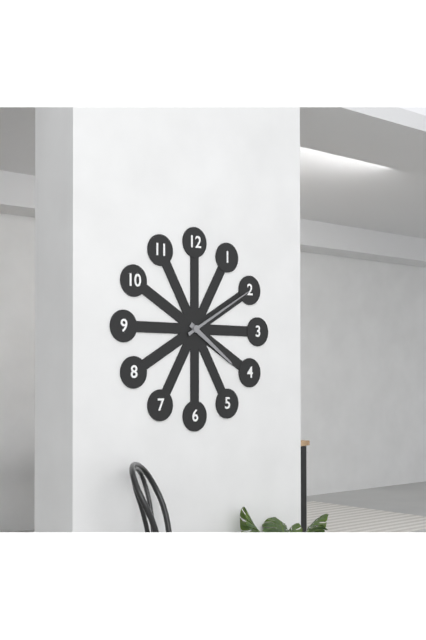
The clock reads 4:10
